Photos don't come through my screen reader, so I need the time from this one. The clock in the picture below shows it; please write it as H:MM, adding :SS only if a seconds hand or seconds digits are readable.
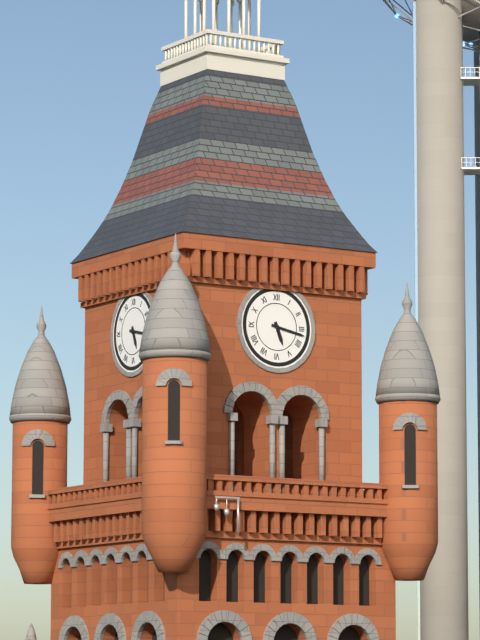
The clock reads 5:17
